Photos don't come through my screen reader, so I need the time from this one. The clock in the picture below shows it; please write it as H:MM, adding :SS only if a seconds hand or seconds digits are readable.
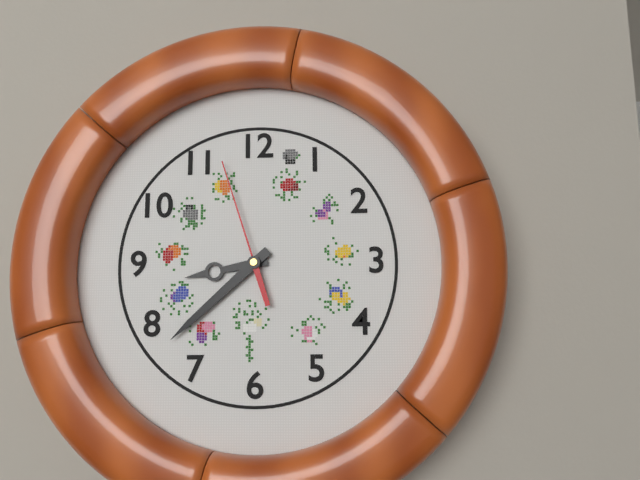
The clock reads 8:38:57
